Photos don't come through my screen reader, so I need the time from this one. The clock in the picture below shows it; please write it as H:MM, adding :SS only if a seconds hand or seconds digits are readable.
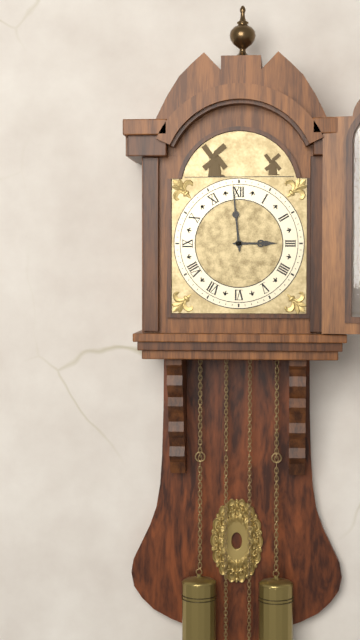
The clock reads 2:59
